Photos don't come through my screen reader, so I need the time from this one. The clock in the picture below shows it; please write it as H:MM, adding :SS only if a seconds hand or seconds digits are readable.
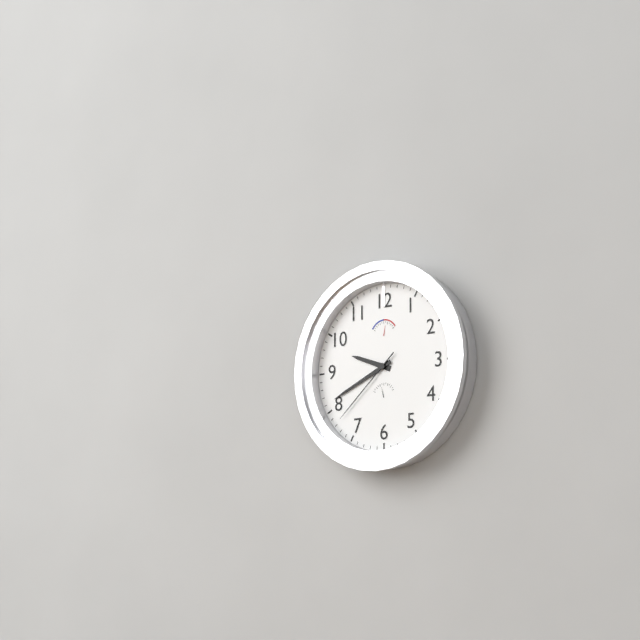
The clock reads 9:41:38
